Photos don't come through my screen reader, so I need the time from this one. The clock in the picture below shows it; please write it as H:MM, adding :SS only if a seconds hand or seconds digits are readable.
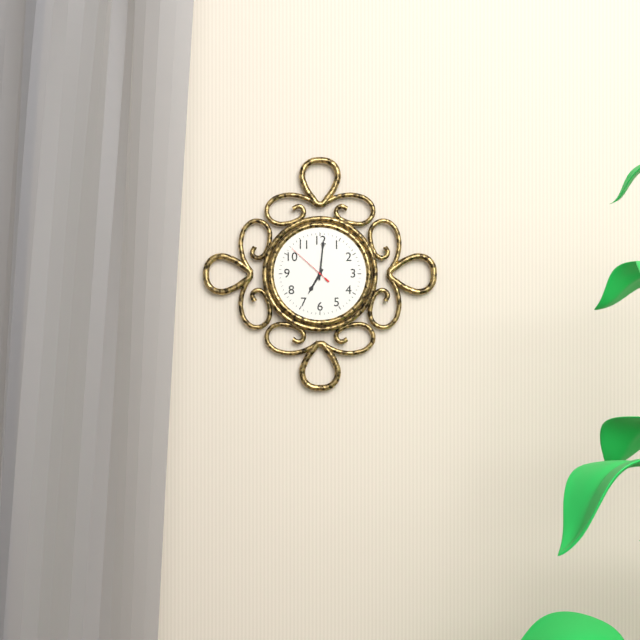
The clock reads 7:01
